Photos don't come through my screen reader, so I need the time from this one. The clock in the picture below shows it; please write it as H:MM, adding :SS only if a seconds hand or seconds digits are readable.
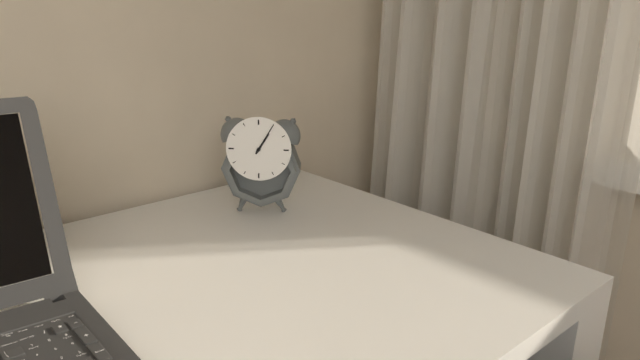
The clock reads 1:05
